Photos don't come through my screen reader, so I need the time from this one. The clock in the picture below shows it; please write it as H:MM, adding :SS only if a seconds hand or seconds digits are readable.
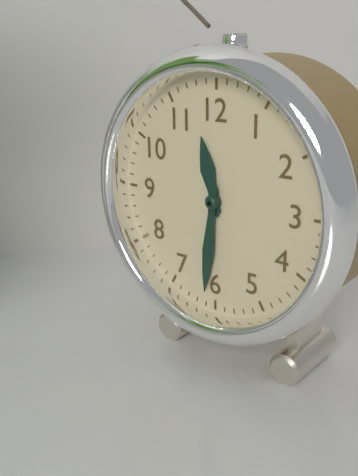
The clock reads 11:31
